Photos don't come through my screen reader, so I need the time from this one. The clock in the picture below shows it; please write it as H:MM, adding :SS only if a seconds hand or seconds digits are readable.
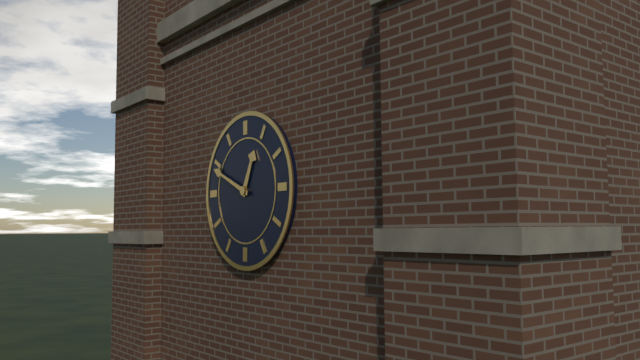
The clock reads 12:49
